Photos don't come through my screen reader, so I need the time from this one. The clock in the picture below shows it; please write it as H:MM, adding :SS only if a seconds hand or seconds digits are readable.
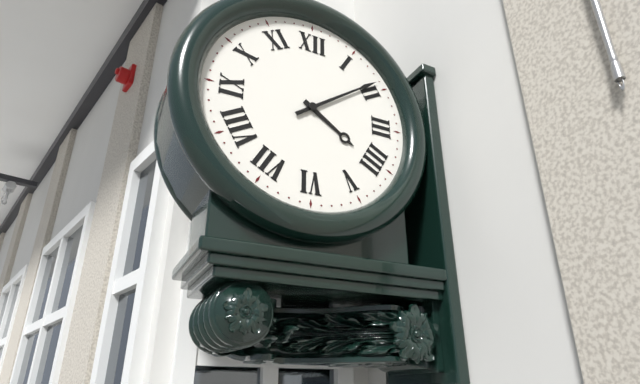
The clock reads 4:09
